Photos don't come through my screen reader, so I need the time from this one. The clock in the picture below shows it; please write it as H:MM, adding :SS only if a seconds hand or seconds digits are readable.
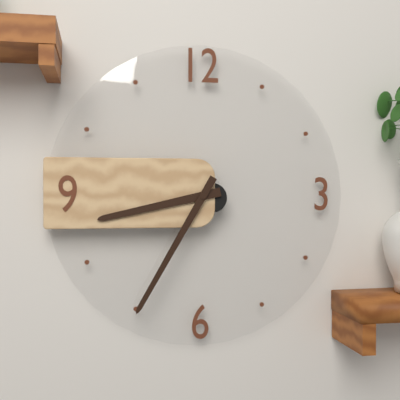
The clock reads 8:35
